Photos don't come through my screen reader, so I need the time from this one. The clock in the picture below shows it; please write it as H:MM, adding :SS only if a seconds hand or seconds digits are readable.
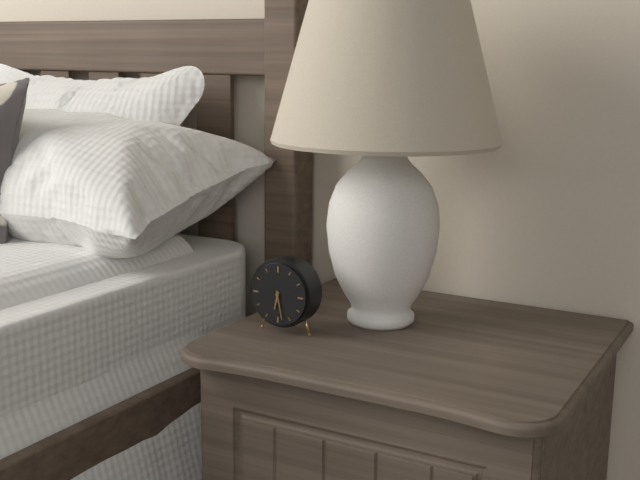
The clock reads 6:28
